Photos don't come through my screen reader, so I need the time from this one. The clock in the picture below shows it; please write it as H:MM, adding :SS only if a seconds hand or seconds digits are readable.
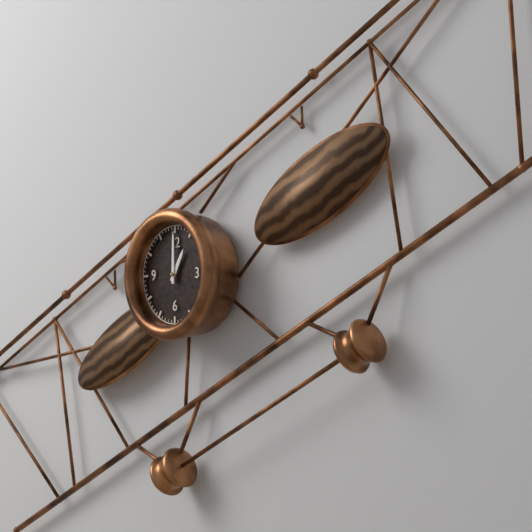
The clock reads 1:00
